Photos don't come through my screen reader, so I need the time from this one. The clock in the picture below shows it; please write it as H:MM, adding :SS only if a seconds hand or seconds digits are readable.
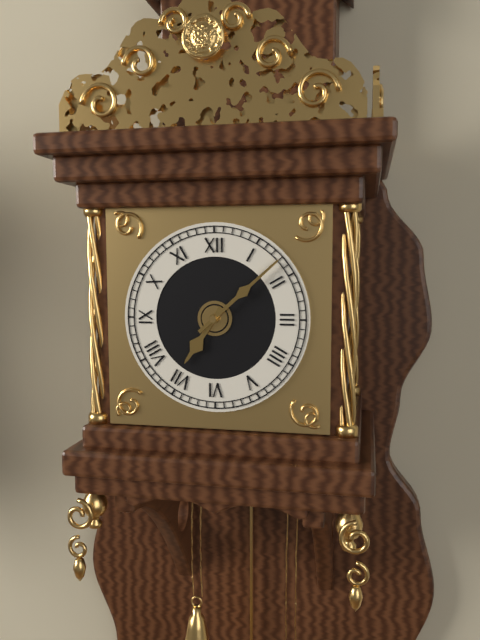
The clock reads 7:08
